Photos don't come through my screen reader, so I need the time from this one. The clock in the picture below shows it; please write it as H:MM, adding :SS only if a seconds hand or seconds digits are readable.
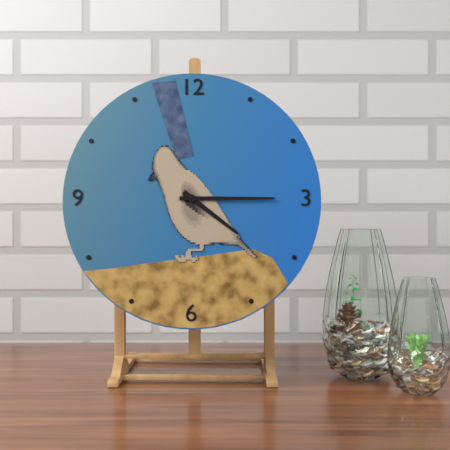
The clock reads 4:15
